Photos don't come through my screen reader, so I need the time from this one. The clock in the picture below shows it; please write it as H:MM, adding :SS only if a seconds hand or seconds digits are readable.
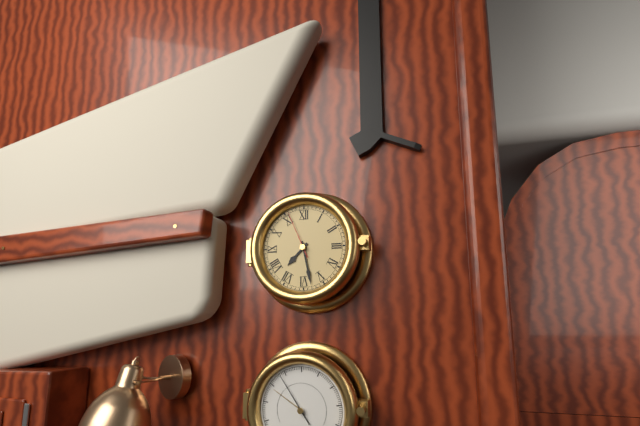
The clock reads 7:28:56
